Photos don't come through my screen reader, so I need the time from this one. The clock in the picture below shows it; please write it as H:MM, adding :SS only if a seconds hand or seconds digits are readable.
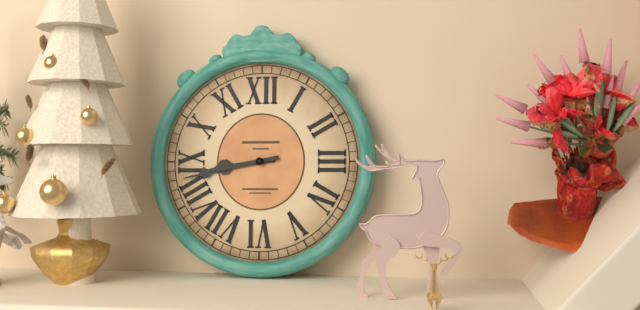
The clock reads 8:43
